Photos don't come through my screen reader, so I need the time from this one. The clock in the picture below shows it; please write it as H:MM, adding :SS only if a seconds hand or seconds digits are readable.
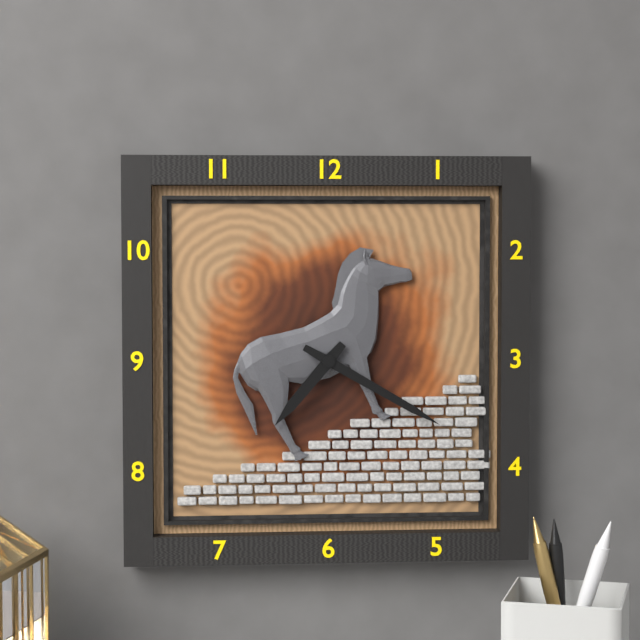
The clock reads 7:20
